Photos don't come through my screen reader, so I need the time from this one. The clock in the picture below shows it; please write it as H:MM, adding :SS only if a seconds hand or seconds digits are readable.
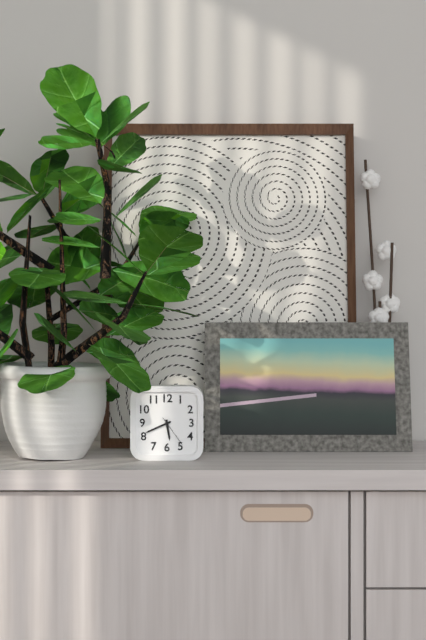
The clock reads 5:41
